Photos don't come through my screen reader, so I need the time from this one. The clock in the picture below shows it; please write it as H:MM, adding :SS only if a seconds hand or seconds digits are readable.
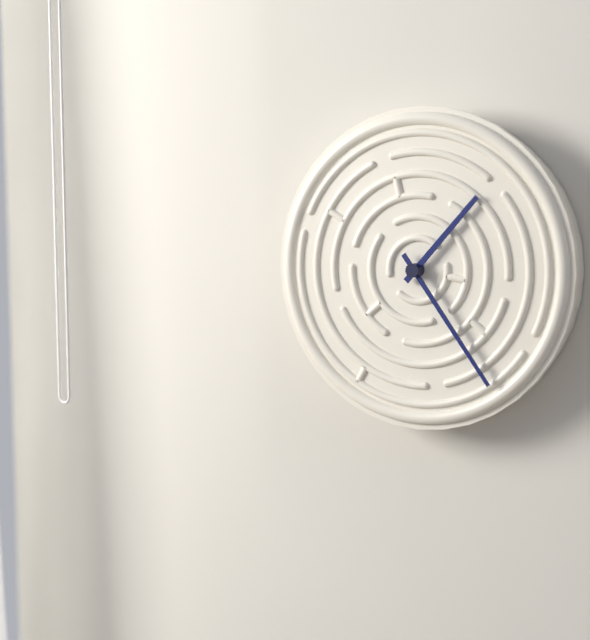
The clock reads 1:24
